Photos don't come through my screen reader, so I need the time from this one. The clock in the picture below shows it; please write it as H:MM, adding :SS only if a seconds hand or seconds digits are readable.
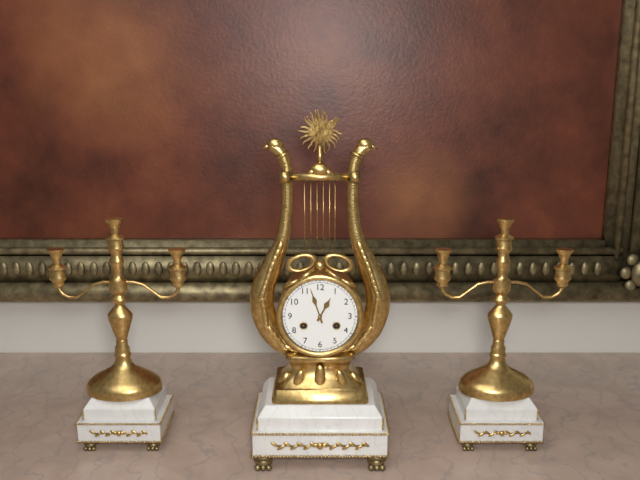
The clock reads 12:57
